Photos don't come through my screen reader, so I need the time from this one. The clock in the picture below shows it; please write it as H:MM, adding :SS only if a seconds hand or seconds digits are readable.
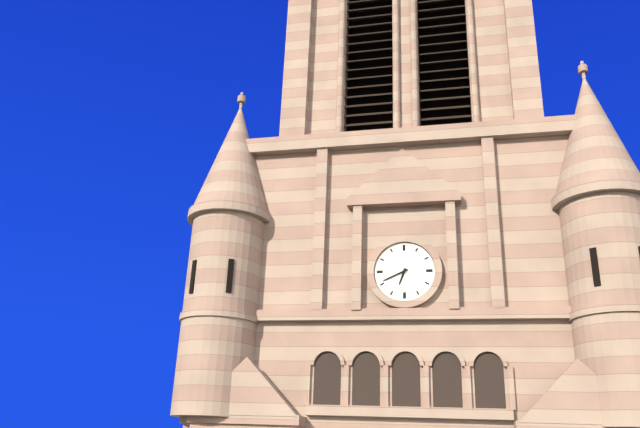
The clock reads 6:41
